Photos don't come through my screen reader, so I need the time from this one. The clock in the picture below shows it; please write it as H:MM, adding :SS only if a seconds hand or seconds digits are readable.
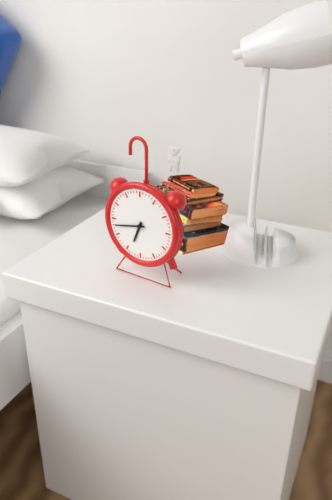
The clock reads 6:43
